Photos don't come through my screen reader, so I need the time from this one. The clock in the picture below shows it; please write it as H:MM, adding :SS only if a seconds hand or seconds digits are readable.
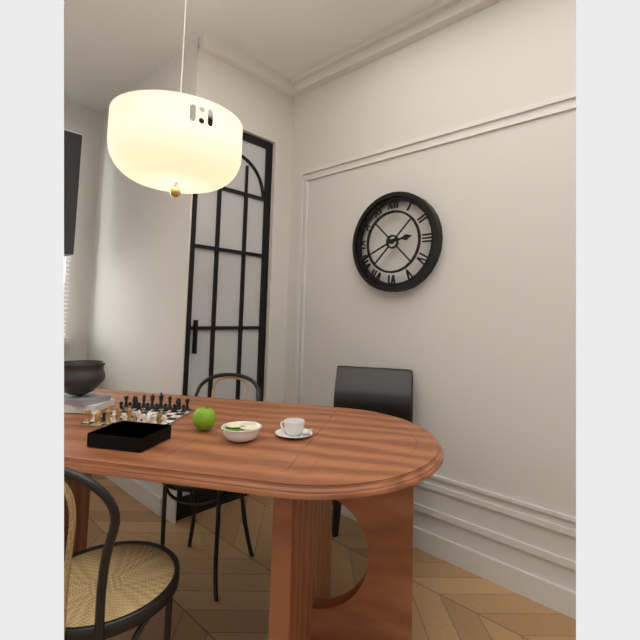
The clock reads 2:41
